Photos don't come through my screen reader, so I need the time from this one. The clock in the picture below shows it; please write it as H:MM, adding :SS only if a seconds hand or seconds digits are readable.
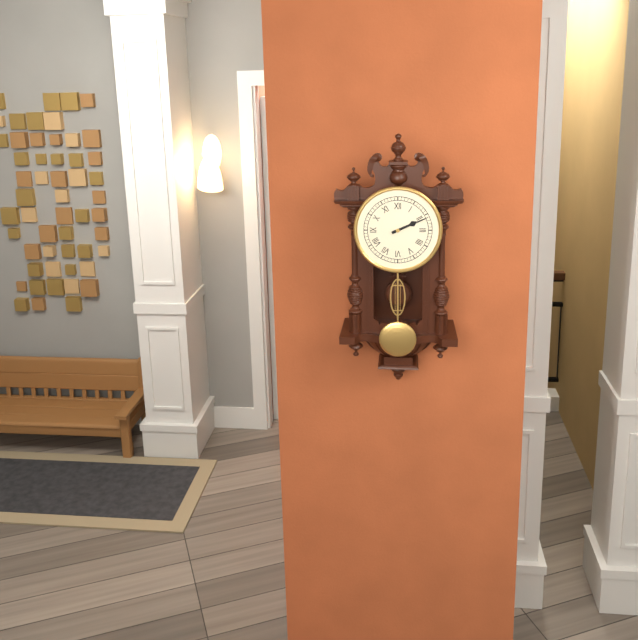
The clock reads 2:11
